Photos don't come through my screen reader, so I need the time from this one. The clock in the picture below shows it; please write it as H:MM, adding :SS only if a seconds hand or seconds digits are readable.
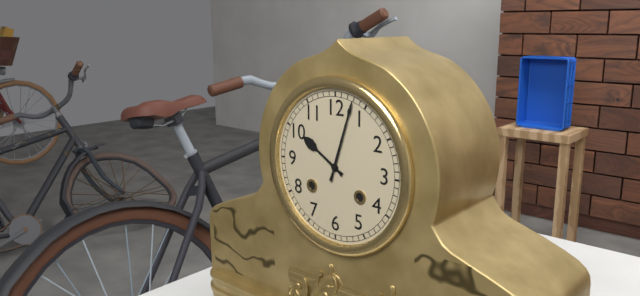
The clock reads 10:03
